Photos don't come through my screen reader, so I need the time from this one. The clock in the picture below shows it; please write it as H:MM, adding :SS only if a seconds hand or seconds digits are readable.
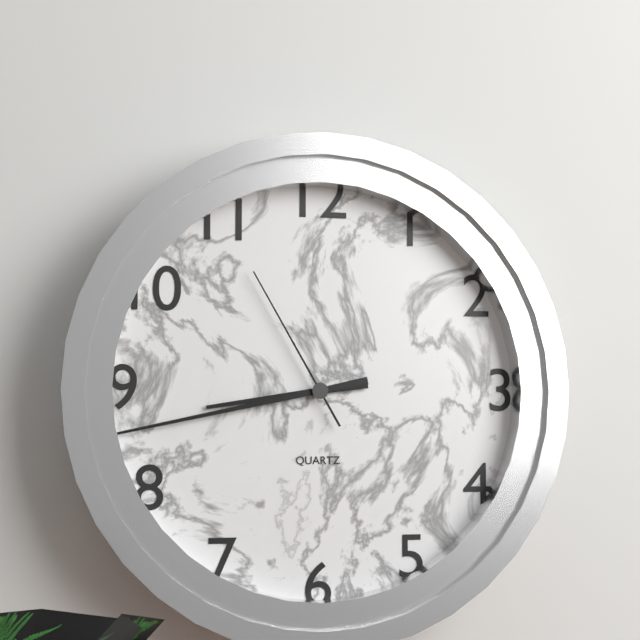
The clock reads 8:43:55
